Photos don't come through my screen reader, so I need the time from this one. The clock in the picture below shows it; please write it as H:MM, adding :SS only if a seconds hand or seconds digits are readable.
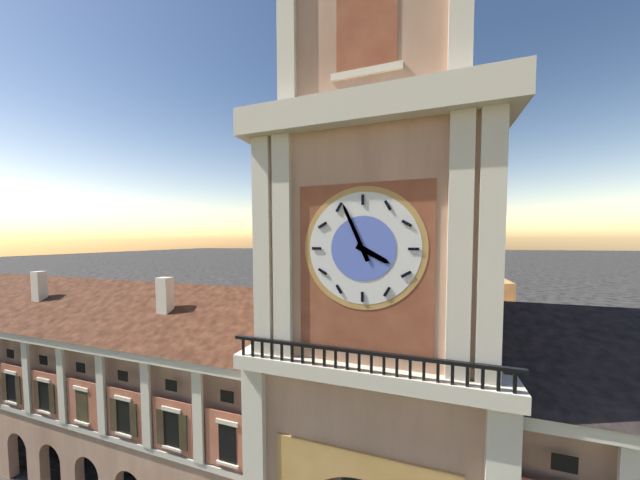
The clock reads 3:56
